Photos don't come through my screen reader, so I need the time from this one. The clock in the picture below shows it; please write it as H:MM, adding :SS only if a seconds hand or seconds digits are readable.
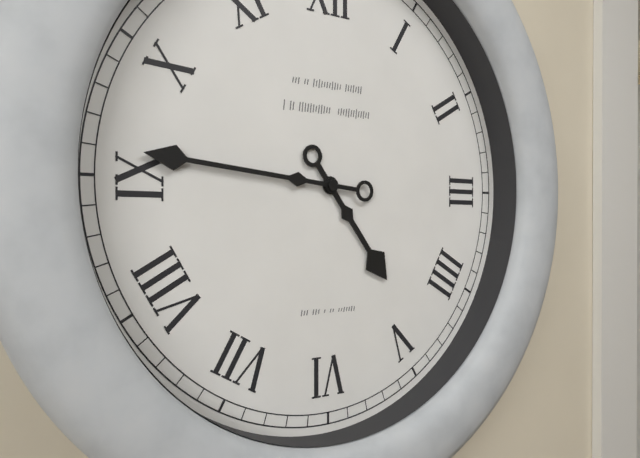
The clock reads 4:46
